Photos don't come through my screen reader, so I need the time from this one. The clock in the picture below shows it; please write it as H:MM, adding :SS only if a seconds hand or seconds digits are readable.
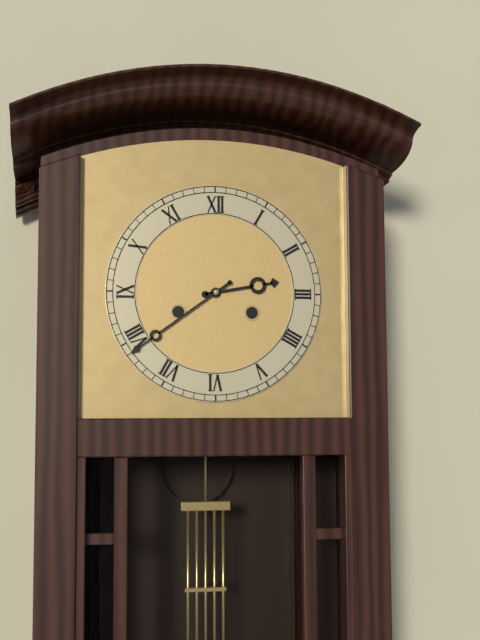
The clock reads 2:39
